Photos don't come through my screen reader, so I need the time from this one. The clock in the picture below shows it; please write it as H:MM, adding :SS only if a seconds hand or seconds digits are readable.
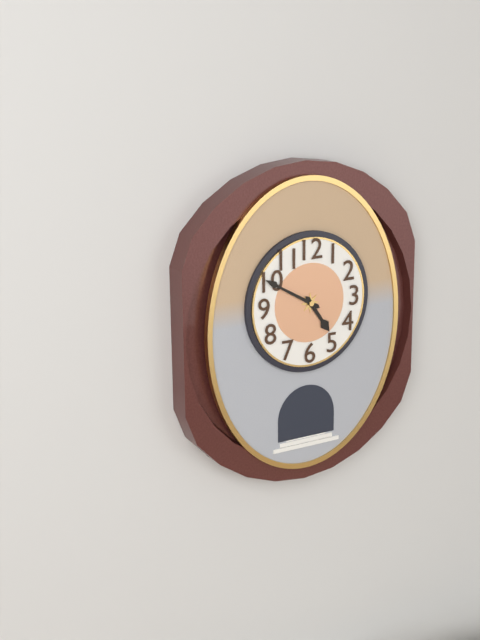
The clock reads 4:50
